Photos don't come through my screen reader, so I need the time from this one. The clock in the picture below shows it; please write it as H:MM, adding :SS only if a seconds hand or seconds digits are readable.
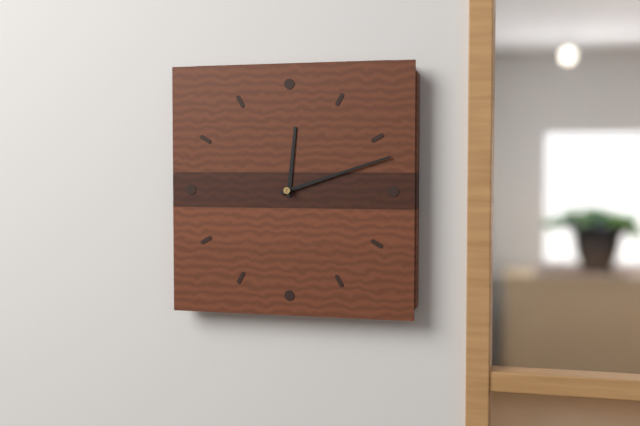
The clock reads 12:12
